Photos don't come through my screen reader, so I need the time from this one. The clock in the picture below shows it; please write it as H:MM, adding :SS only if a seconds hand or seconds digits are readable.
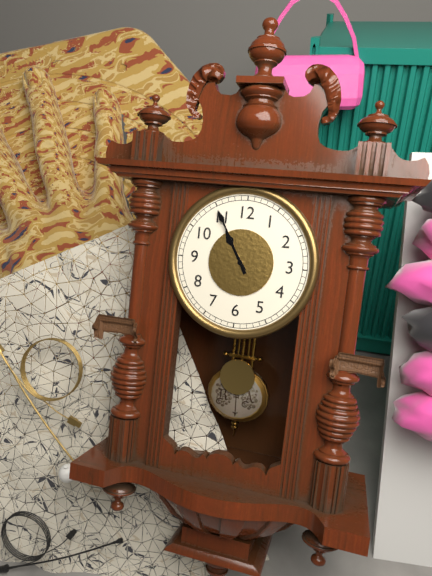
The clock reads 10:55
